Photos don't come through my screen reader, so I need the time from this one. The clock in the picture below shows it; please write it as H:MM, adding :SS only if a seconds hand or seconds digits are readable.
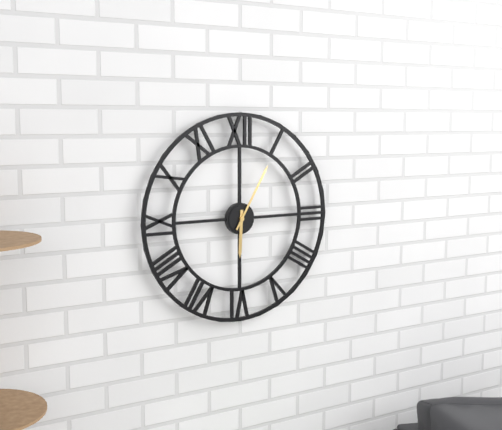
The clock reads 6:05
